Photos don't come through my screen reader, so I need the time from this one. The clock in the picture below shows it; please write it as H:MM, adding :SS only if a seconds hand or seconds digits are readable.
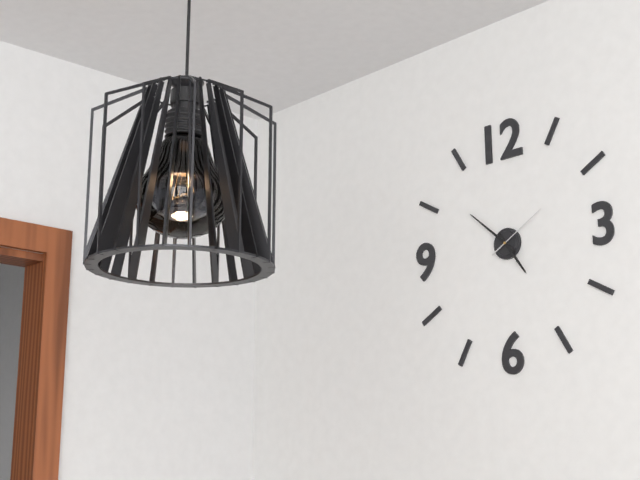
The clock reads 4:52:10
